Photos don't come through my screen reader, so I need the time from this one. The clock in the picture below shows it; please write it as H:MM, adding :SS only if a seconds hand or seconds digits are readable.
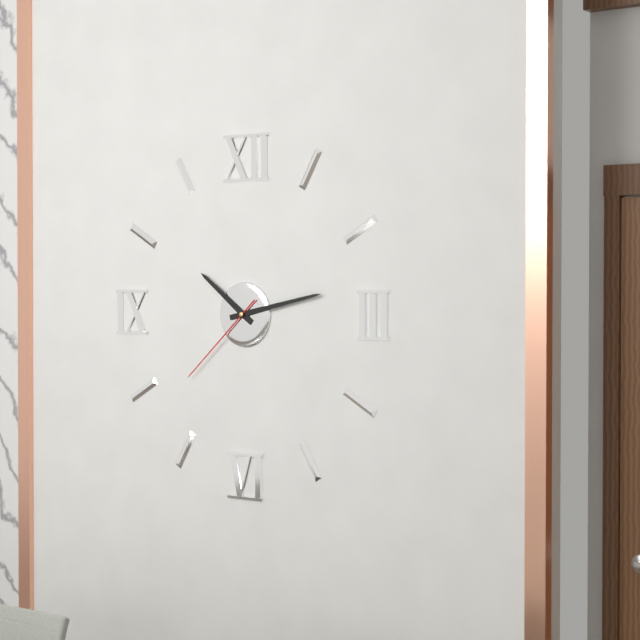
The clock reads 10:13:38
